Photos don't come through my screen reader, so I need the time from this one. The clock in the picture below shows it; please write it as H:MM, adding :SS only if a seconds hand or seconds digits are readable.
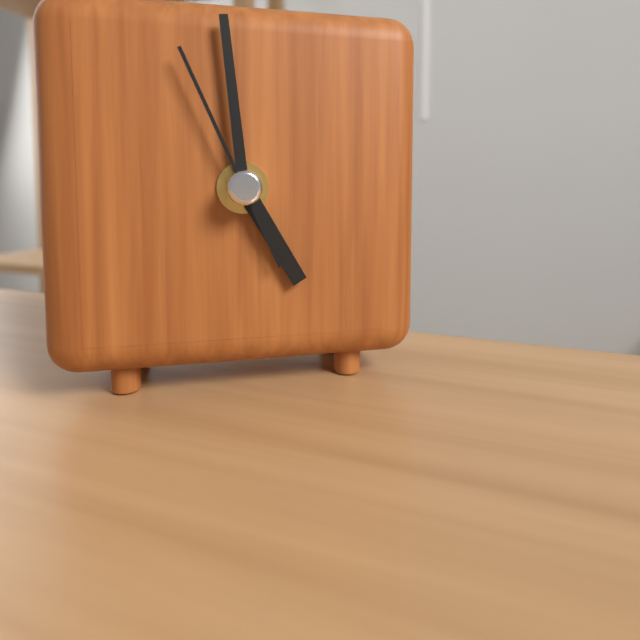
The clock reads 4:59:56
